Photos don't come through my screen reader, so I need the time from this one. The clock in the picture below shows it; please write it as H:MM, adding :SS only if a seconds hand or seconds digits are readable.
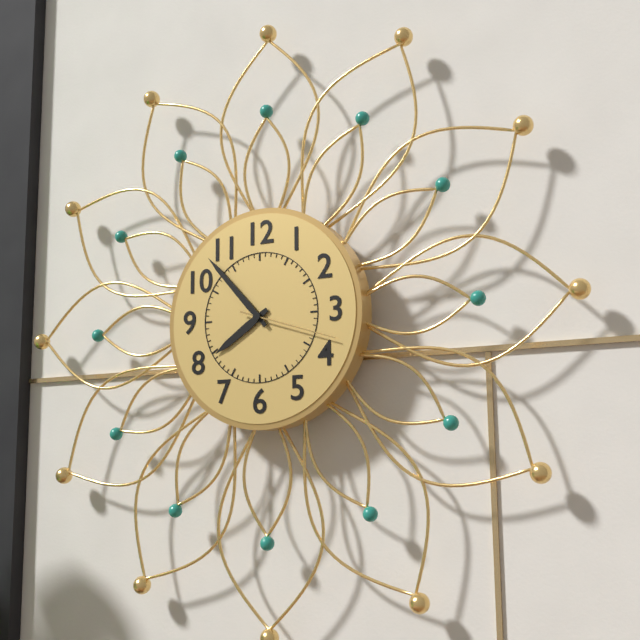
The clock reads 7:53:18
